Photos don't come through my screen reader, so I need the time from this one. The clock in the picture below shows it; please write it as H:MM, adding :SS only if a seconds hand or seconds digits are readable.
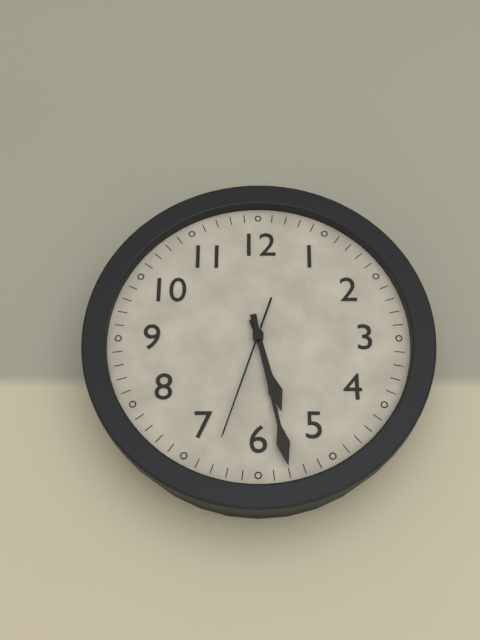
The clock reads 5:28:33
